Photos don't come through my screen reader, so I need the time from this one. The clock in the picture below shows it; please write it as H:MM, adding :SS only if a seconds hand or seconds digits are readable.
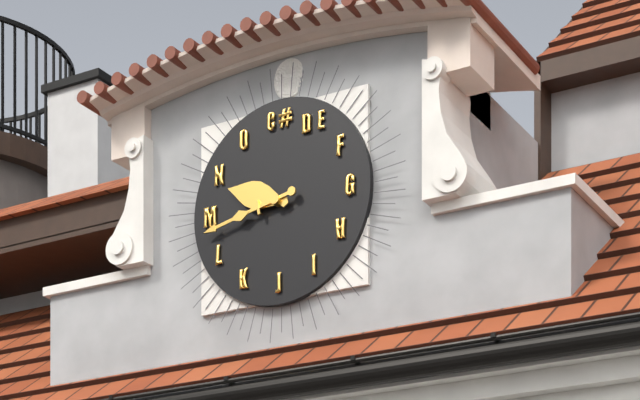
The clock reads 9:43
